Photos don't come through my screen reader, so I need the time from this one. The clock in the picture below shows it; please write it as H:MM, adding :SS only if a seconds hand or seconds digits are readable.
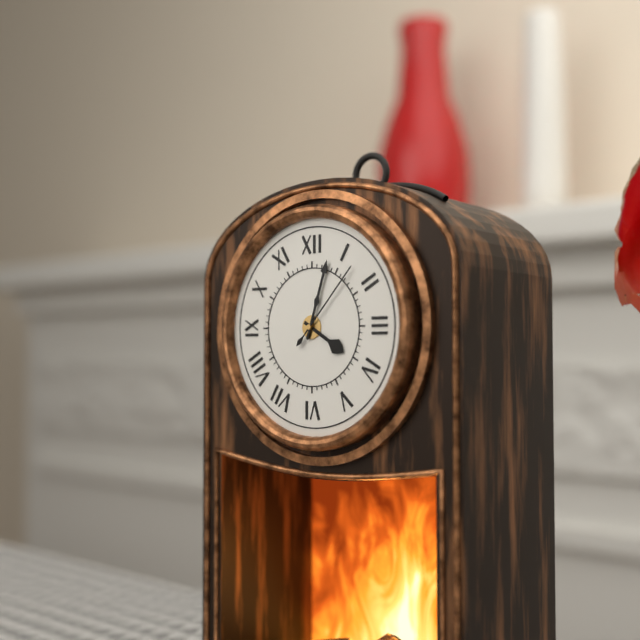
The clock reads 4:03:07
